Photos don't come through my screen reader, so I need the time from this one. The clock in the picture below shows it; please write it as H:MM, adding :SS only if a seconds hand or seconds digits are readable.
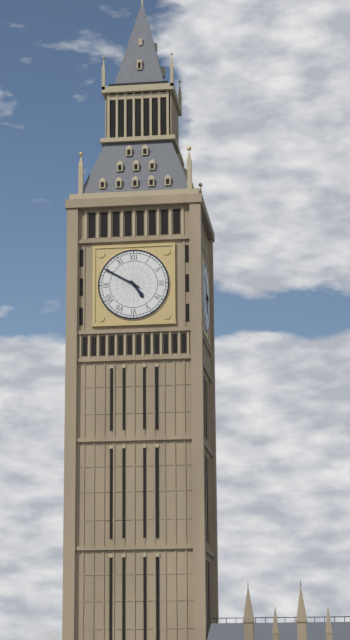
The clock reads 4:50
